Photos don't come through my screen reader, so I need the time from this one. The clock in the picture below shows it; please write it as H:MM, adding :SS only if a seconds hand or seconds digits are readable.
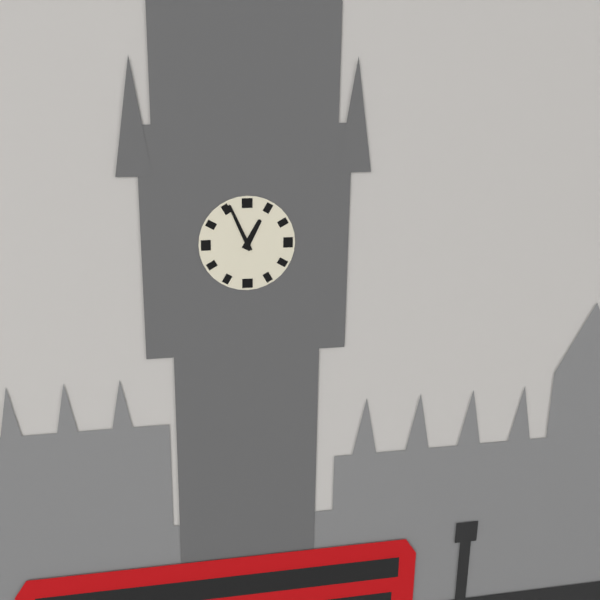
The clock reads 12:56
